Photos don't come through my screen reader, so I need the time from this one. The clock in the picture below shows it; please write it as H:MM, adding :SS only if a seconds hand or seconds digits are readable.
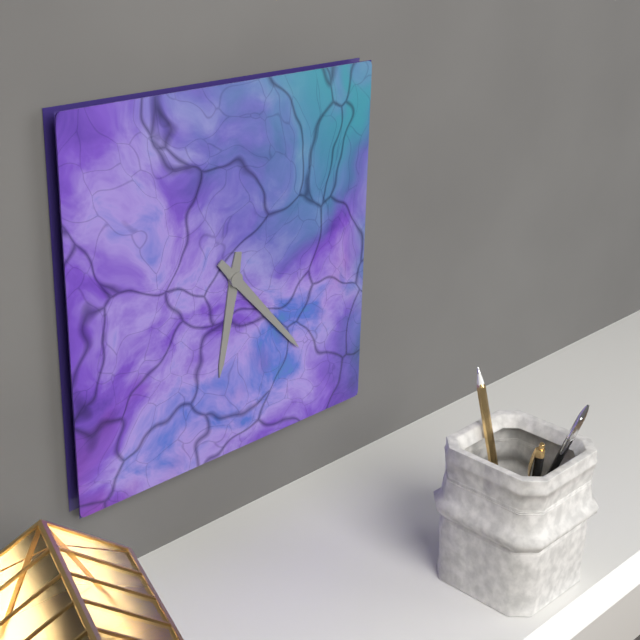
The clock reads 6:23
